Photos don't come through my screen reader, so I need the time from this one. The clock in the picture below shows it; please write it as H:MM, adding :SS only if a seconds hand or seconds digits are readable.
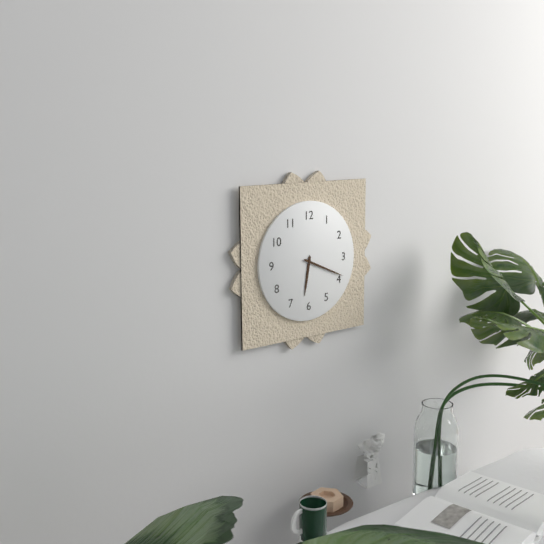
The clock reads 6:19
